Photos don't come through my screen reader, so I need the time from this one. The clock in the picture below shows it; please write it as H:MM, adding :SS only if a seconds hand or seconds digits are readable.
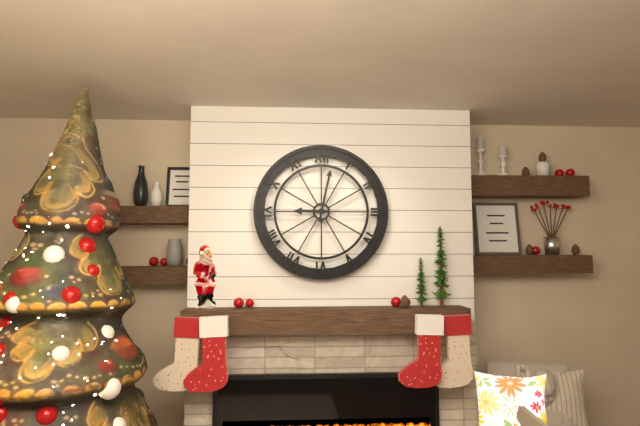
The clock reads 9:02
